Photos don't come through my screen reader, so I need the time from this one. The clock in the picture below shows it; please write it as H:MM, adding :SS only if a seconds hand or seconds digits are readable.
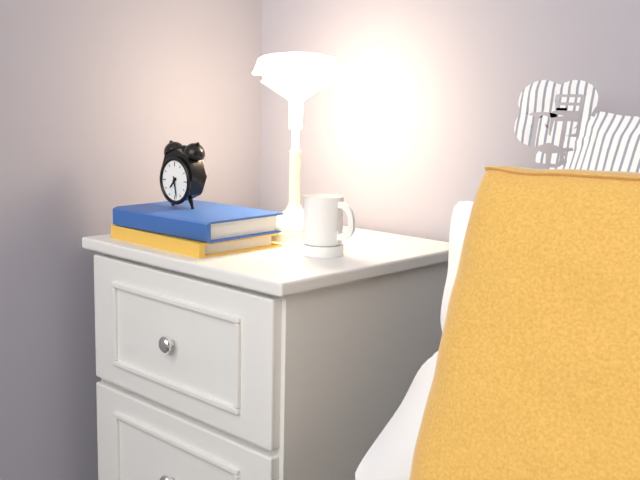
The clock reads 7:28
